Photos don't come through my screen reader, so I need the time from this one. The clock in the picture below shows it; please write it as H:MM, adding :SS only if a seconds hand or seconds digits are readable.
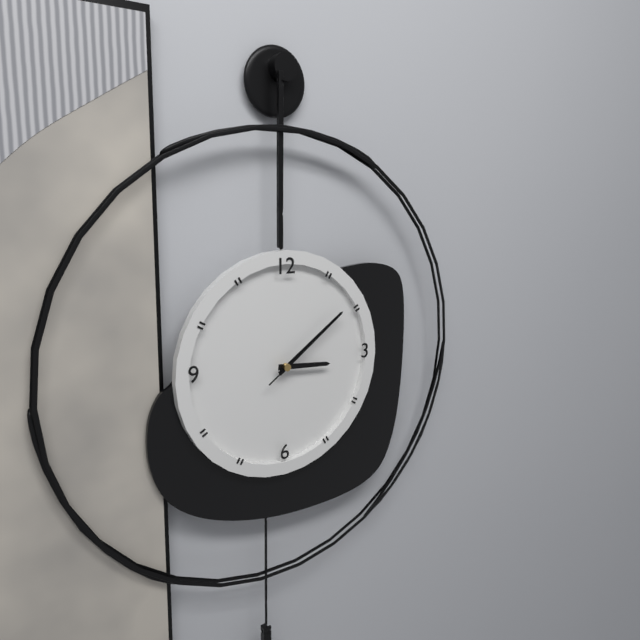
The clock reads 3:09:09
